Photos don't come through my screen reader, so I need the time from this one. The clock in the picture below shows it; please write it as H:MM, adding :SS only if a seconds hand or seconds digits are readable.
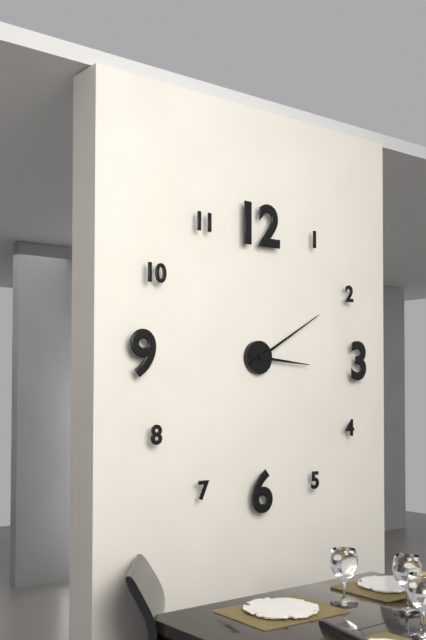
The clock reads 3:10
